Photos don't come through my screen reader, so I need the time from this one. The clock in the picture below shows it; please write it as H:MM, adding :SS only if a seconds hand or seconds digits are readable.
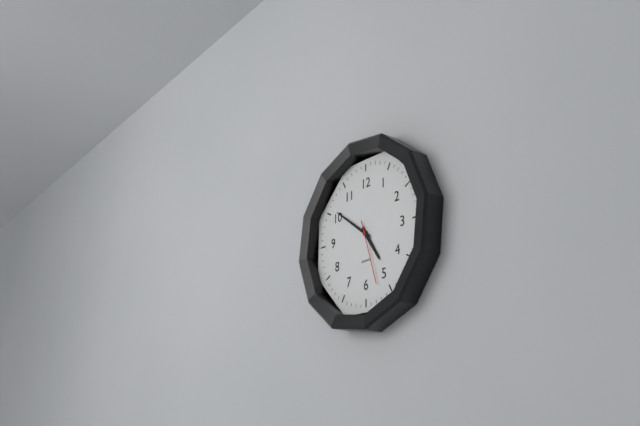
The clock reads 4:51:27
